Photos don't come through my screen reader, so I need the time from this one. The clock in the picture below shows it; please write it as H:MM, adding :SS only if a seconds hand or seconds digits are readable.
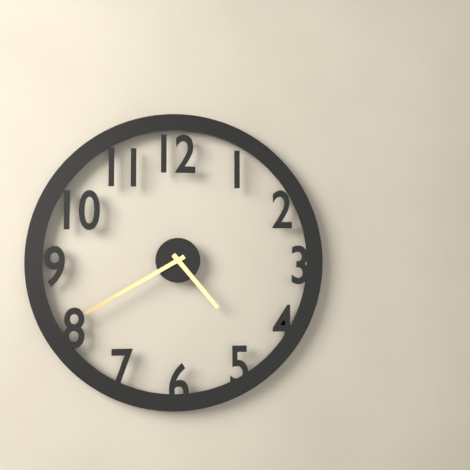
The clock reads 4:40
